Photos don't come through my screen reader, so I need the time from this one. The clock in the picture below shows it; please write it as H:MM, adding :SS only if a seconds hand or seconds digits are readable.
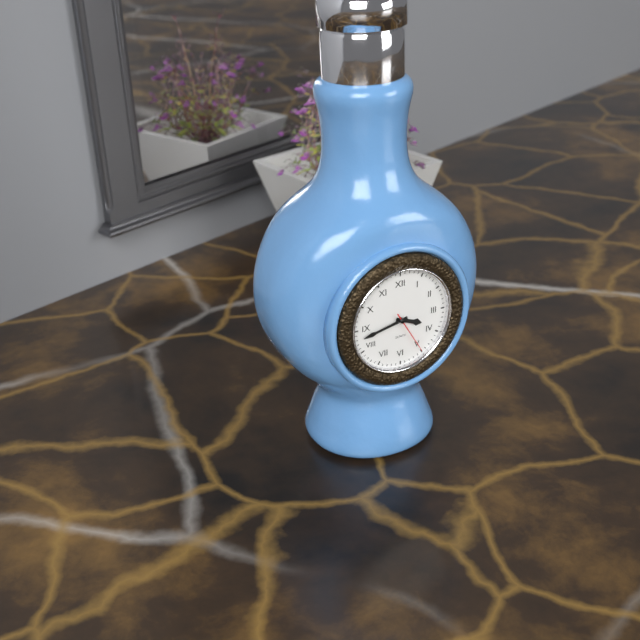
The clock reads 3:43
